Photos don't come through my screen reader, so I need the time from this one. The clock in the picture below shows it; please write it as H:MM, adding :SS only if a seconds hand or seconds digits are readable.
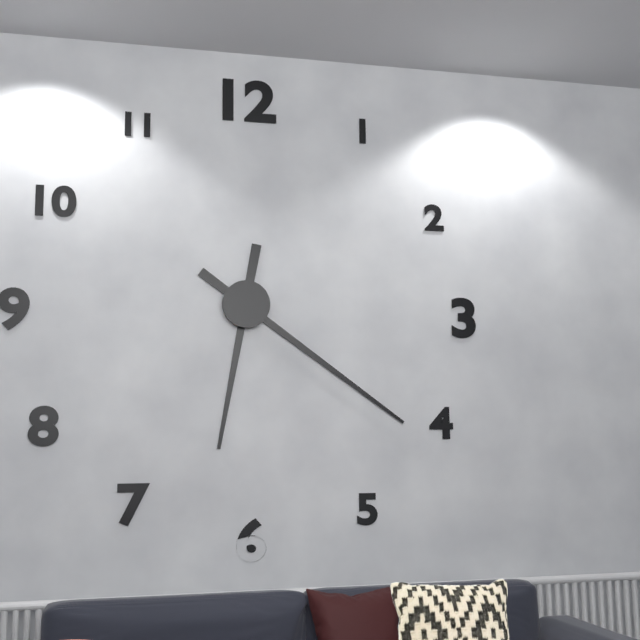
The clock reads 6:21
